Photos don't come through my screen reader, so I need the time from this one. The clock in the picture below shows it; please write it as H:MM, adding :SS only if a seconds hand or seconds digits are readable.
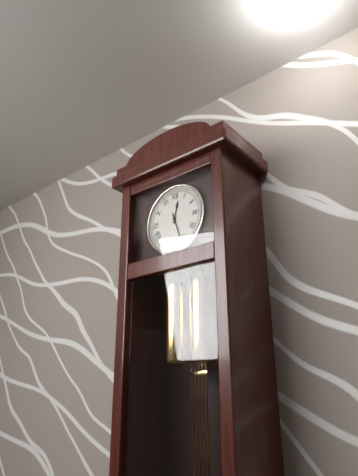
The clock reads 12:27
